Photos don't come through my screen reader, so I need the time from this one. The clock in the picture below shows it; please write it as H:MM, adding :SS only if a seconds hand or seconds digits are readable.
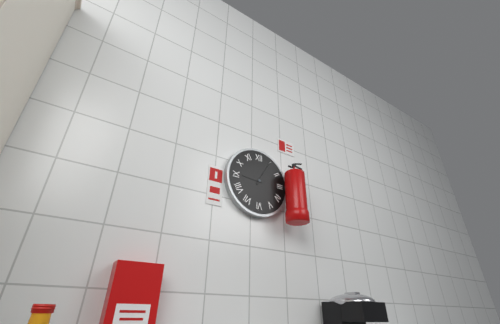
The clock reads 9:05
